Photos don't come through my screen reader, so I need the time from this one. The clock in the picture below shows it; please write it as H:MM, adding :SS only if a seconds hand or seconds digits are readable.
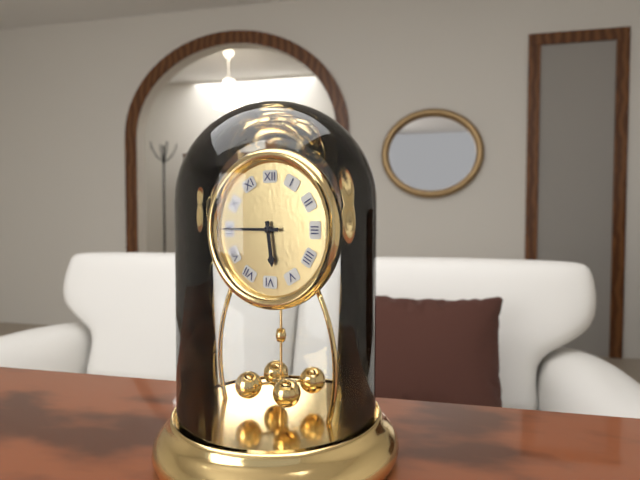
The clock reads 5:45
